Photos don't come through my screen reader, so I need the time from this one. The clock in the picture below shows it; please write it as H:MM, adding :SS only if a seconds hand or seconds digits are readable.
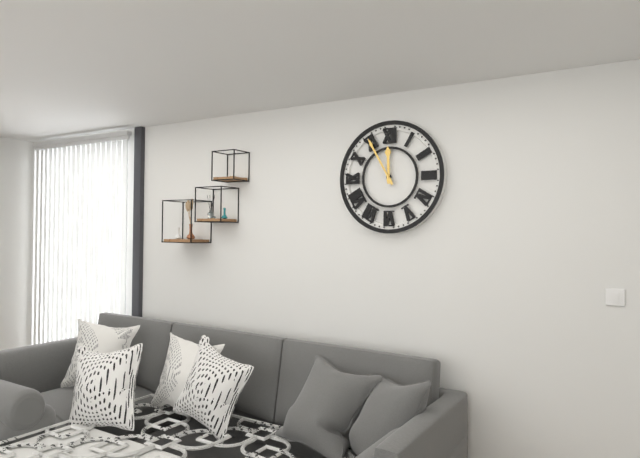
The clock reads 11:55
